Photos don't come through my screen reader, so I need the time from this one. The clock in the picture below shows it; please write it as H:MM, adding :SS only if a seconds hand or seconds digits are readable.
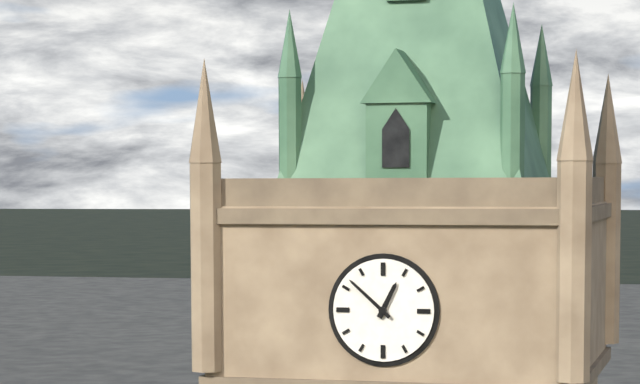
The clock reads 12:52
